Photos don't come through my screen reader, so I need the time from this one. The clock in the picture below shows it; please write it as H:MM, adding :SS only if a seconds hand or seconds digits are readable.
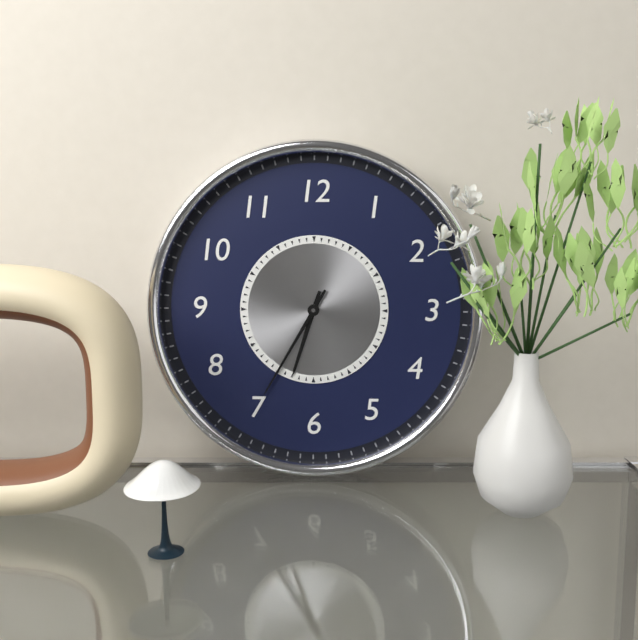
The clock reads 6:35
